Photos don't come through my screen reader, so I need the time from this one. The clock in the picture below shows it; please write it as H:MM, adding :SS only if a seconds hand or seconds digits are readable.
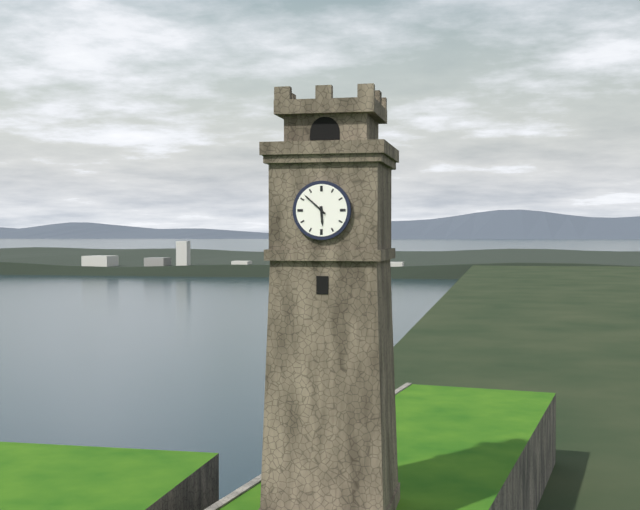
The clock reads 5:52
